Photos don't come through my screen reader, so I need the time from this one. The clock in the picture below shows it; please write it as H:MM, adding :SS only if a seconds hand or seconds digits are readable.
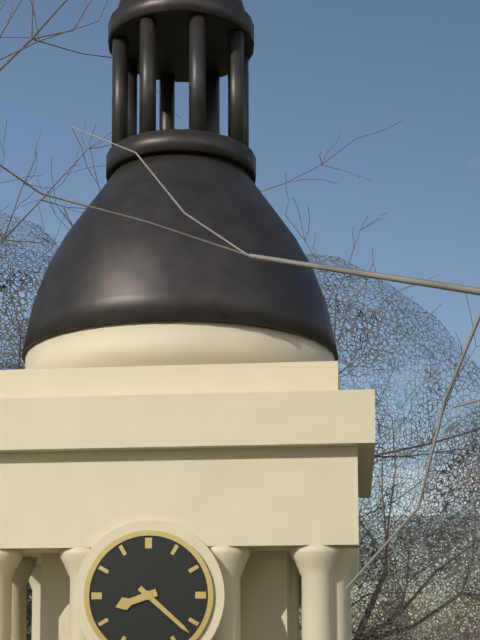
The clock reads 8:22
